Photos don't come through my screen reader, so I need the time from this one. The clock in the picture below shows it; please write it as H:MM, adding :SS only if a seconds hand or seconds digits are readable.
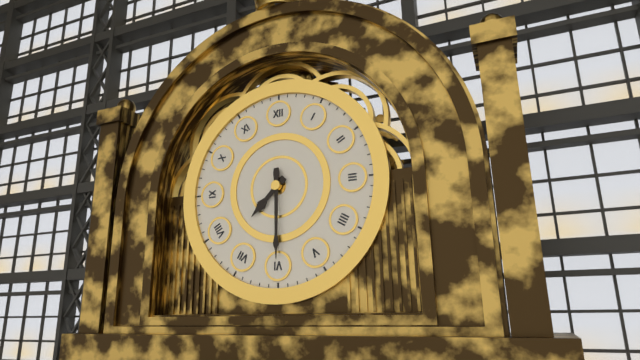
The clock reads 7:30
